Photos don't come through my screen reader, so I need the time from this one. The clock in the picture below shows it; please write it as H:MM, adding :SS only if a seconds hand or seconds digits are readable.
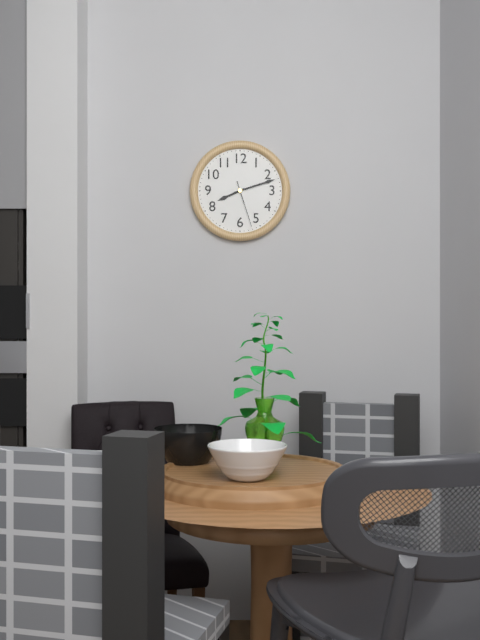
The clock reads 8:12
